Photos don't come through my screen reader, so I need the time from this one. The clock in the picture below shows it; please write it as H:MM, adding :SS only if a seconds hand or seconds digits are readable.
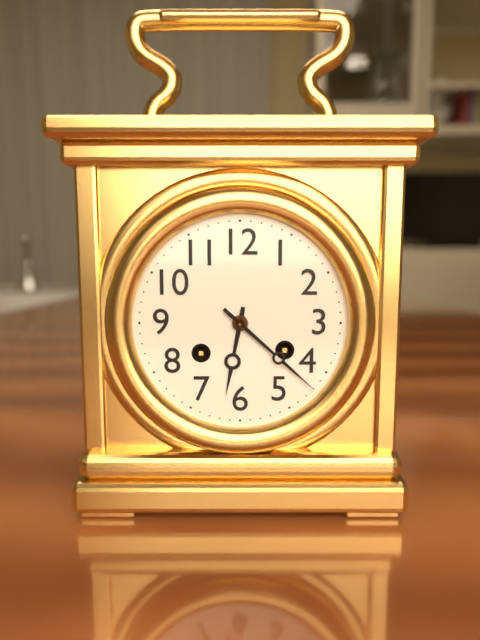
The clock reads 6:22
